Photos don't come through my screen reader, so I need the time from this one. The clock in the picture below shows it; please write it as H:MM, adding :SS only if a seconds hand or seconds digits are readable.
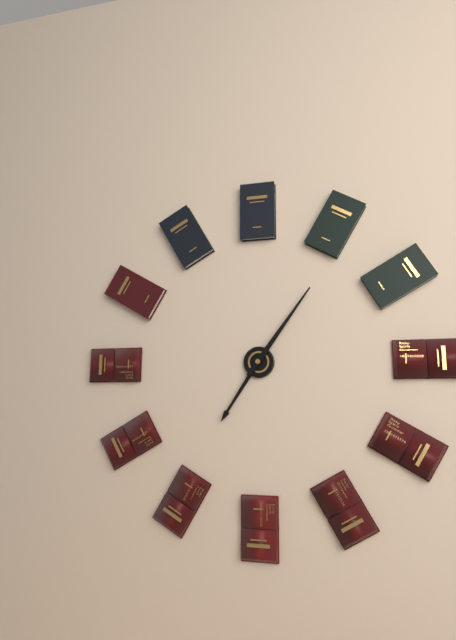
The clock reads 7:06
